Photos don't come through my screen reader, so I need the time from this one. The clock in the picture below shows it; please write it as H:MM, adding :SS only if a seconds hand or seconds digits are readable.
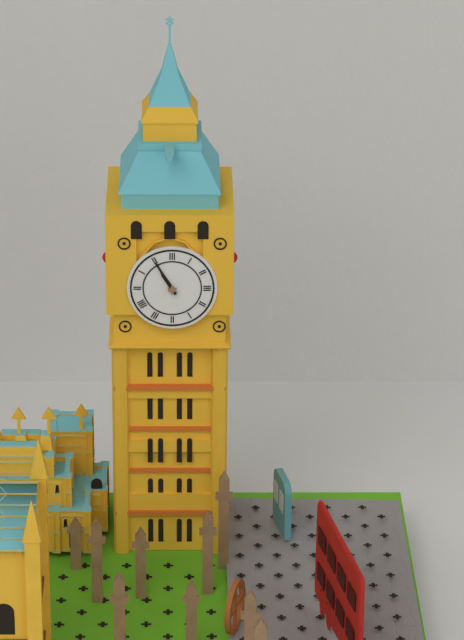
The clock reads 10:55
